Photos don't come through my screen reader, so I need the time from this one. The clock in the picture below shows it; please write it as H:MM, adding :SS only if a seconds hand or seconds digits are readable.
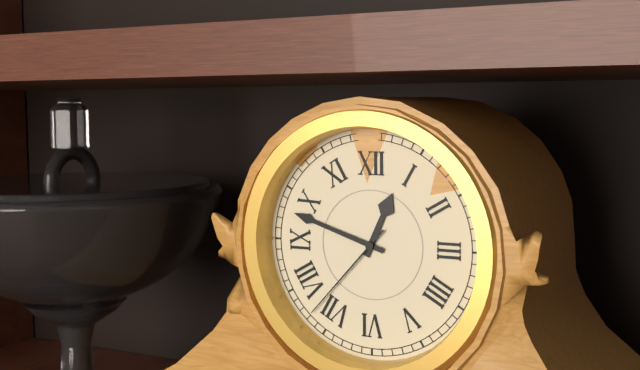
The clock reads 12:48:37
